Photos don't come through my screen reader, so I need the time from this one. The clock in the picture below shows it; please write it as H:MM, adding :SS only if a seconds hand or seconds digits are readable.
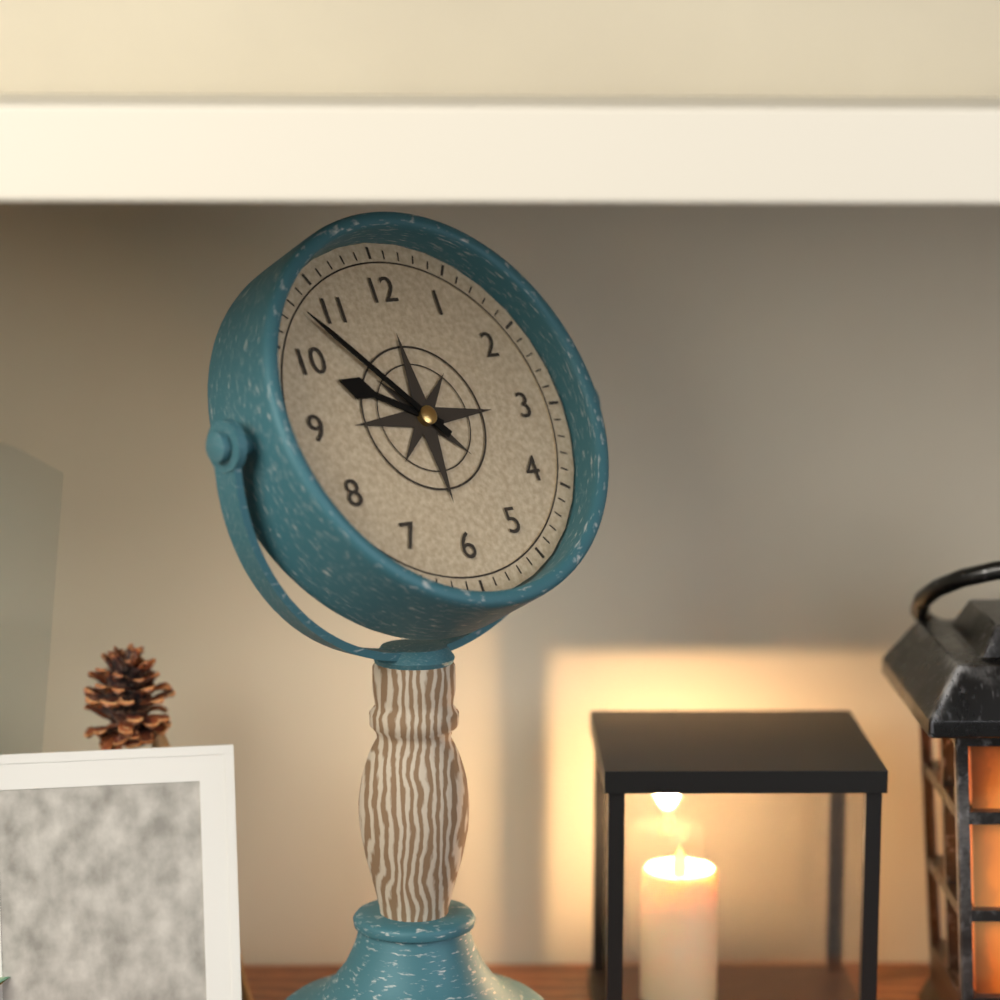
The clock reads 9:53
